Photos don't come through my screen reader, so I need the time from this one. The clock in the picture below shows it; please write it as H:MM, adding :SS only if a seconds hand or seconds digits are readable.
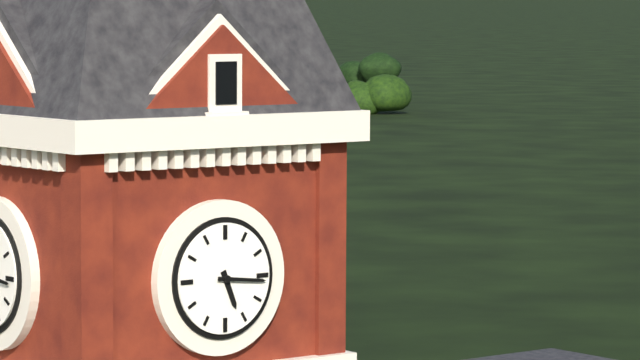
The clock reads 5:16
